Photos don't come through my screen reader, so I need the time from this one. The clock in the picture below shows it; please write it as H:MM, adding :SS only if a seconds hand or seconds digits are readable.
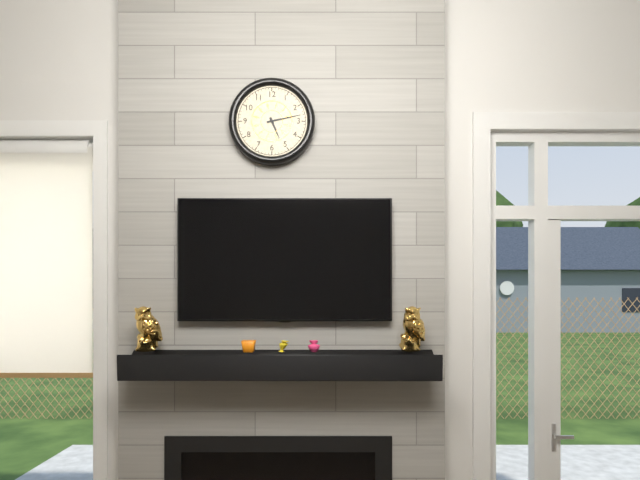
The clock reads 5:13
